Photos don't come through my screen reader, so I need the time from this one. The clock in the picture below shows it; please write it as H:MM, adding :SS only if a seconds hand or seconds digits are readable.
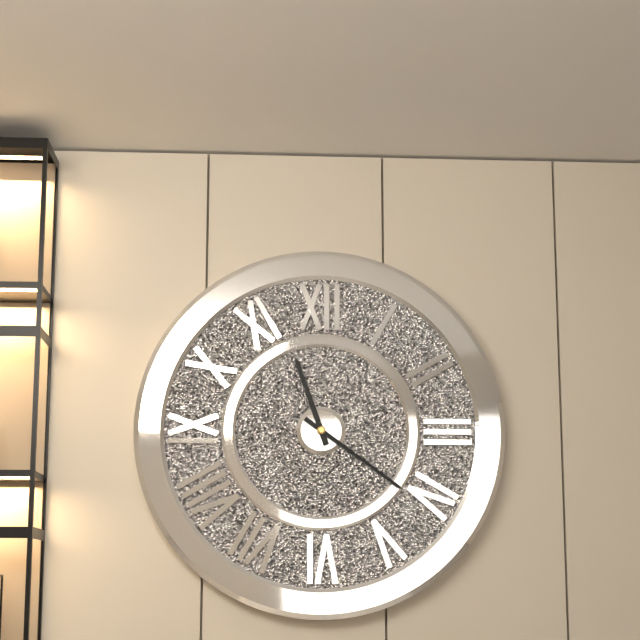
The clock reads 11:21
